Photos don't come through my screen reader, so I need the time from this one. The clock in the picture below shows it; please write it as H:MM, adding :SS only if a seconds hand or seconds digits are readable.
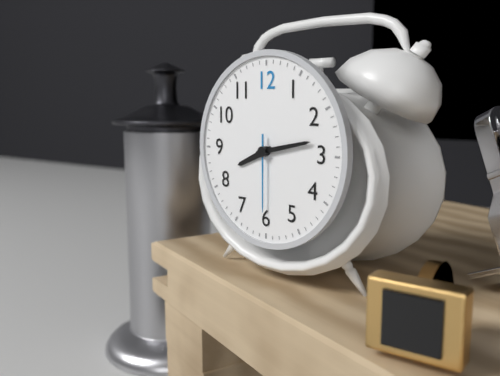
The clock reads 8:13:30
